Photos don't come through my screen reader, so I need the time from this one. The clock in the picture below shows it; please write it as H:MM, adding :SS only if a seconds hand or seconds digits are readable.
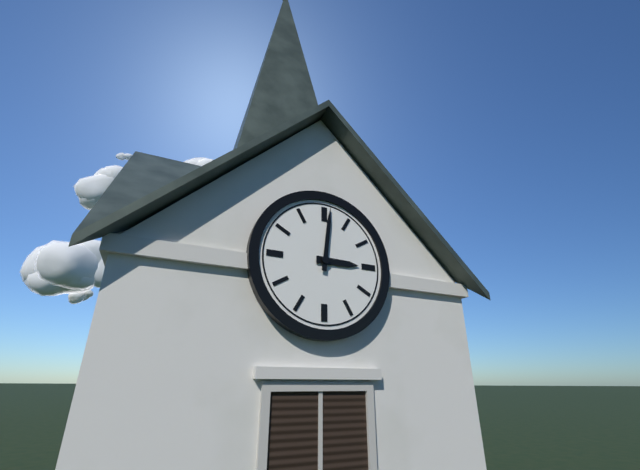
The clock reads 3:01
